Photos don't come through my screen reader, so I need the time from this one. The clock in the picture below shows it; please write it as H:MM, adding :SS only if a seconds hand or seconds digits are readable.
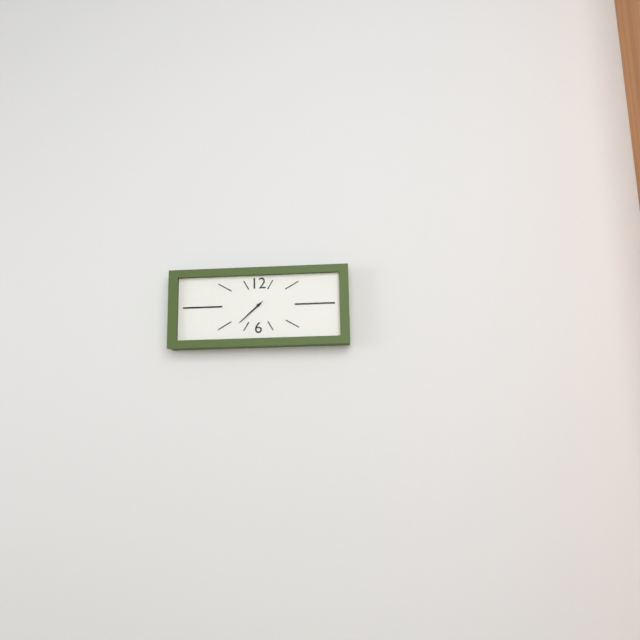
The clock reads 7:38
